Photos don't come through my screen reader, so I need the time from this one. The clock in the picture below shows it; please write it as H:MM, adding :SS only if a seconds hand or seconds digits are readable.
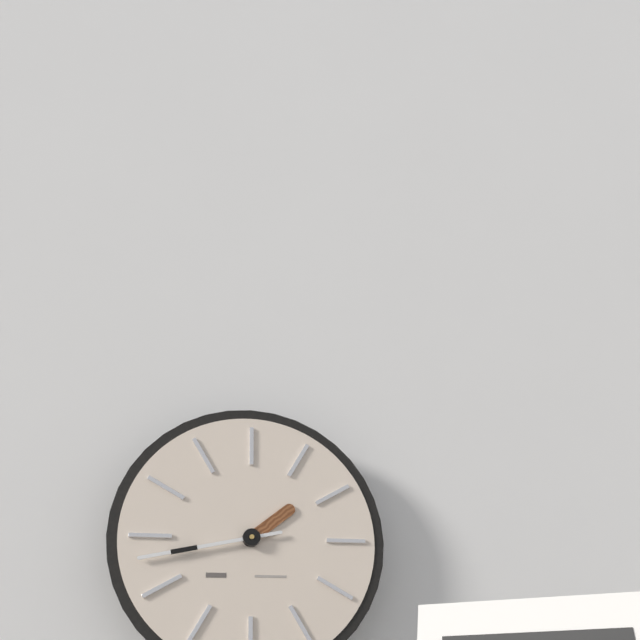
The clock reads 1:43
